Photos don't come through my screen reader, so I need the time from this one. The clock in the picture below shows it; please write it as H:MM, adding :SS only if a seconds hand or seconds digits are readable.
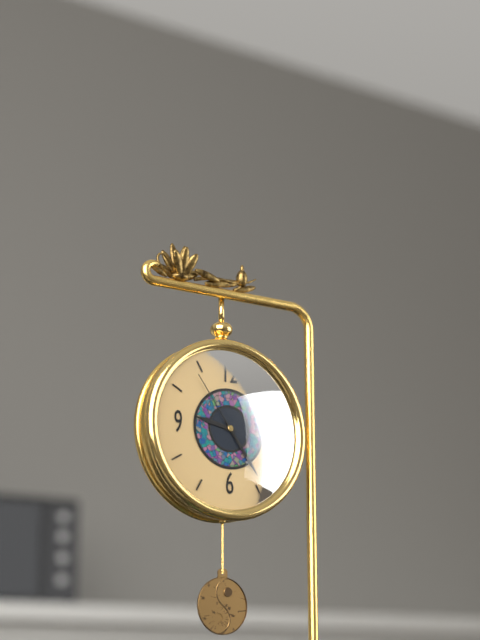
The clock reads 9:24:54
